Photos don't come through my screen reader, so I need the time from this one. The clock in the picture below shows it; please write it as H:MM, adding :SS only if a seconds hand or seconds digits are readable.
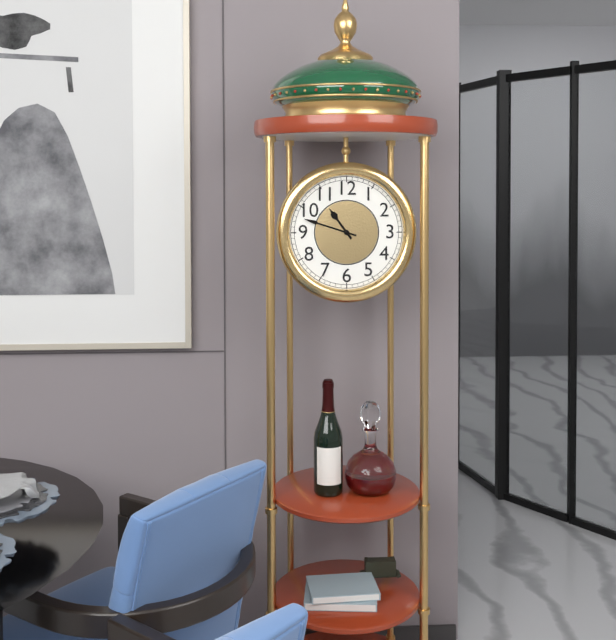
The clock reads 10:48
